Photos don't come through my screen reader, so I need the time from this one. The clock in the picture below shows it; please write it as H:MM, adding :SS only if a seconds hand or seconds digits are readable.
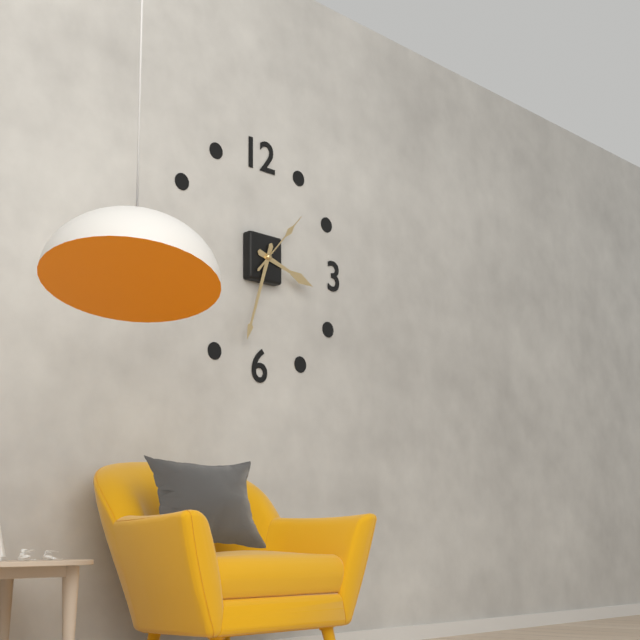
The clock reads 3:33:07
